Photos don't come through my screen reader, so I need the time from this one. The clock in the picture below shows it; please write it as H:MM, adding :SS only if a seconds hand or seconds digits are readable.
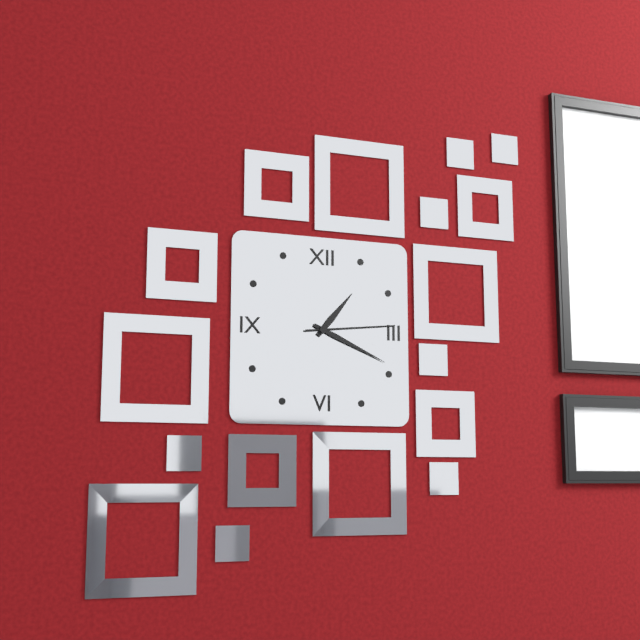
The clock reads 1:19:14
